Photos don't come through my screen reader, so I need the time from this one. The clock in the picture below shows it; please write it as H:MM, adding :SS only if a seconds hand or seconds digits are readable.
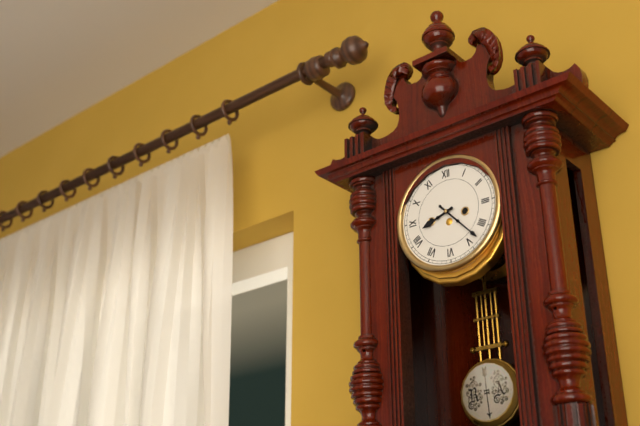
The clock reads 8:23
